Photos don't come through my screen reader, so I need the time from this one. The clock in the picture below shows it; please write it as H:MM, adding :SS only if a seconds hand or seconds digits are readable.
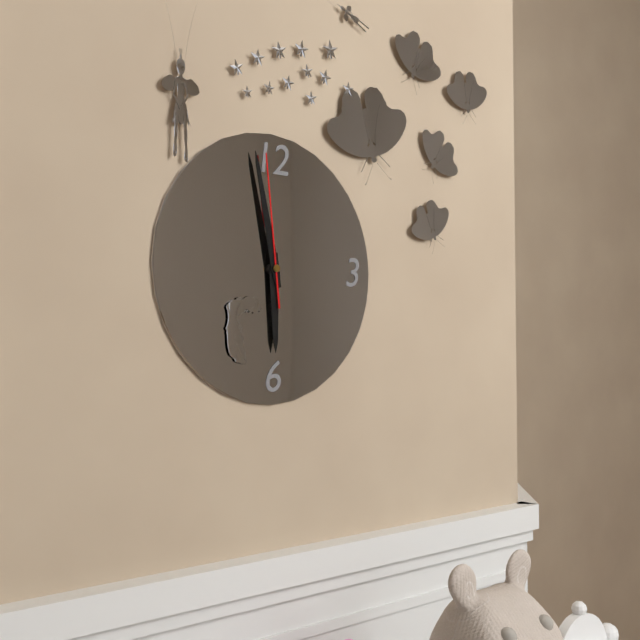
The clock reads 5:58:59
